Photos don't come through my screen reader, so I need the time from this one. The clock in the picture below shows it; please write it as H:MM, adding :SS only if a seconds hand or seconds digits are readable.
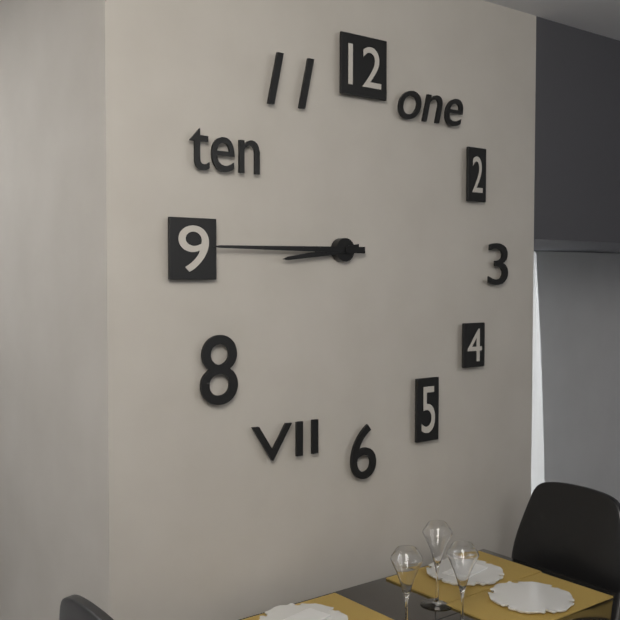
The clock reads 8:45
